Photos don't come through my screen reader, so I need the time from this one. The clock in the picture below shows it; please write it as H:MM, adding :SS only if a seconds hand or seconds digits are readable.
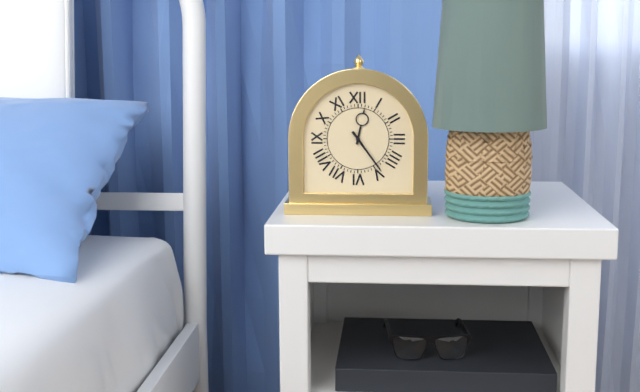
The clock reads 12:24
